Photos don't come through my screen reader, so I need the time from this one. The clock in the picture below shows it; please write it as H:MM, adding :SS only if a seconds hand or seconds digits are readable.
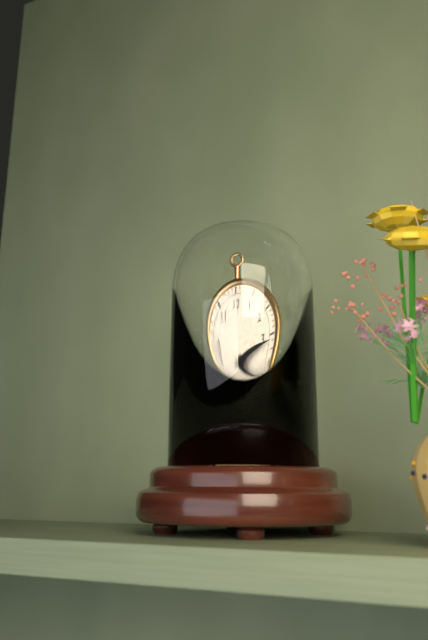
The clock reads 8:16
